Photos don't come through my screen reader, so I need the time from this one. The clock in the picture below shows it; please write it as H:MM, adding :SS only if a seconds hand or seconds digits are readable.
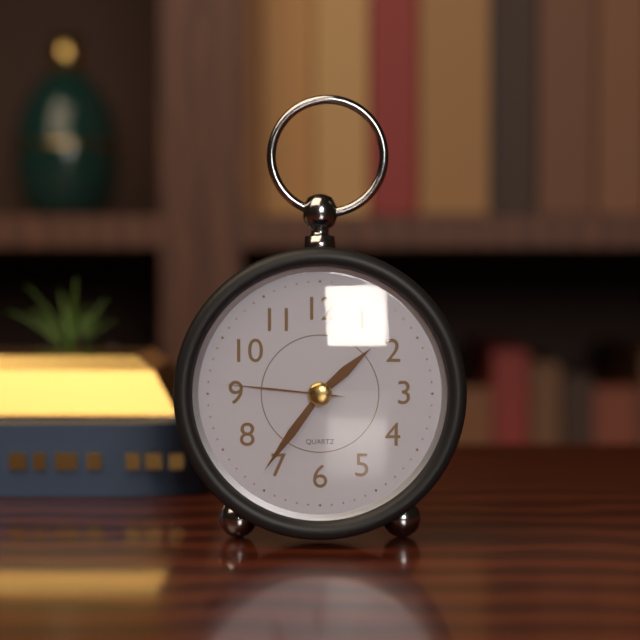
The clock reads 1:36:46
